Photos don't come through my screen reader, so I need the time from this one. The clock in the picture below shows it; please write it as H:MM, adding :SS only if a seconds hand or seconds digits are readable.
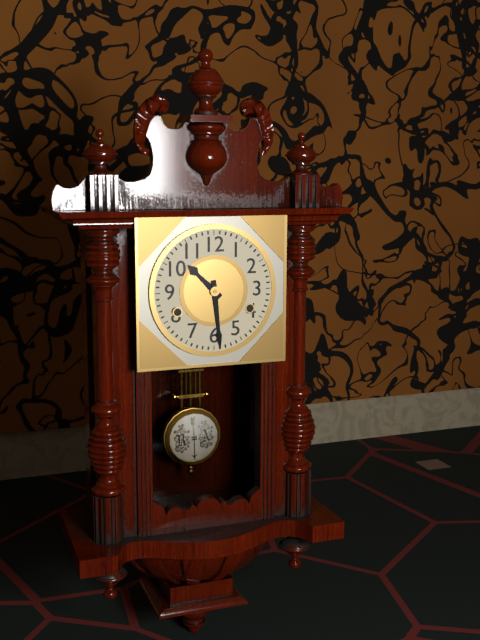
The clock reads 10:29
